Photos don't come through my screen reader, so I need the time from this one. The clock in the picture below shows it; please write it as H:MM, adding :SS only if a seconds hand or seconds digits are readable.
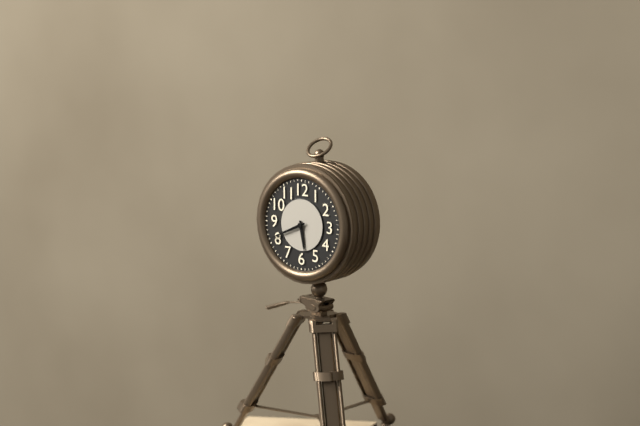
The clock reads 5:41
